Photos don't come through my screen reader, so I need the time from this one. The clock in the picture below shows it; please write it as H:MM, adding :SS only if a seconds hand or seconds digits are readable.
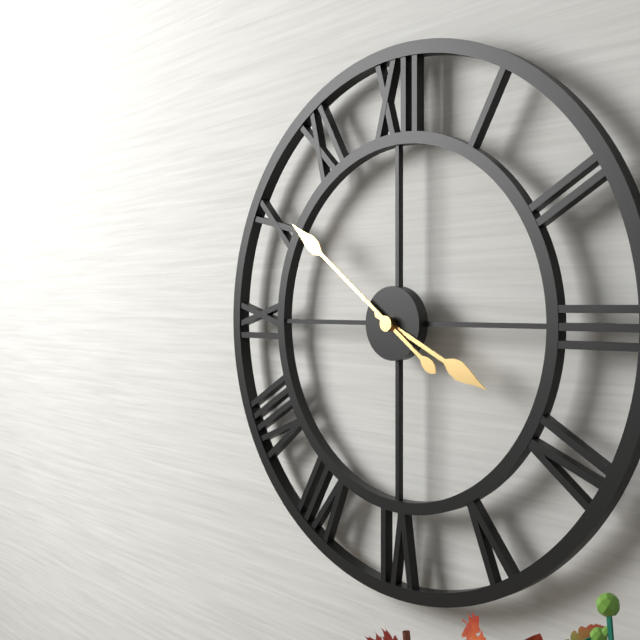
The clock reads 3:51
